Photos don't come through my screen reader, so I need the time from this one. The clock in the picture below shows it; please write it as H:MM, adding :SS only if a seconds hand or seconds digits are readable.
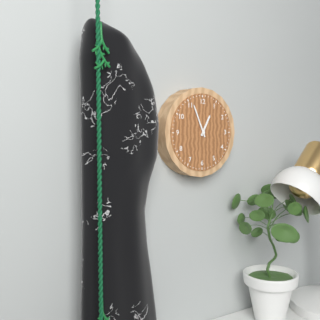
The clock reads 12:56
